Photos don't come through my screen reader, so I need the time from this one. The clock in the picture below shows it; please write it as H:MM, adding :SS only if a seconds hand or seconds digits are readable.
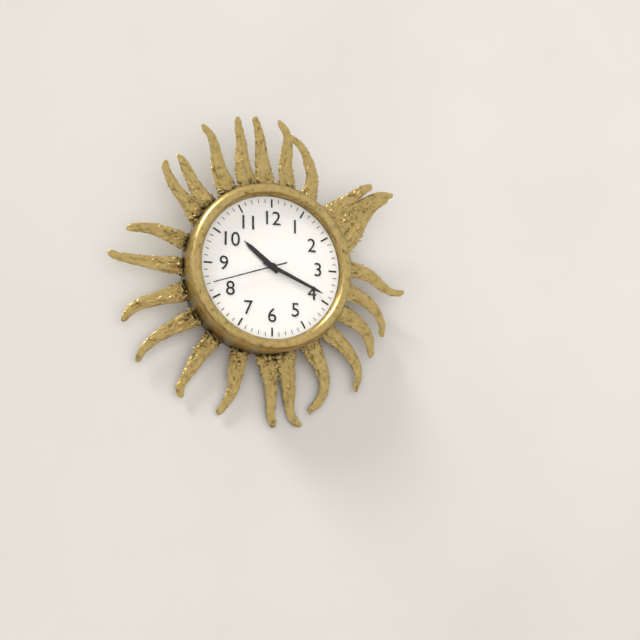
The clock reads 10:19:42
